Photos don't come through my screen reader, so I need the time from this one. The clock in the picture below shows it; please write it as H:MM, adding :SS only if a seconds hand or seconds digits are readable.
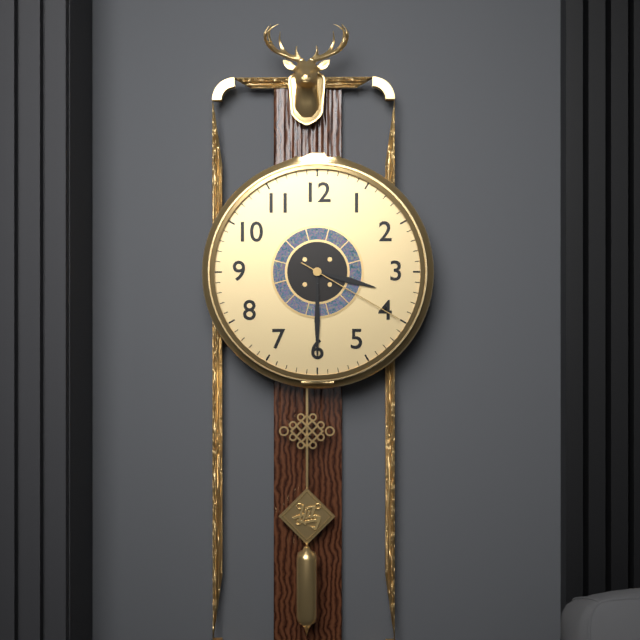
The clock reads 3:30:20
